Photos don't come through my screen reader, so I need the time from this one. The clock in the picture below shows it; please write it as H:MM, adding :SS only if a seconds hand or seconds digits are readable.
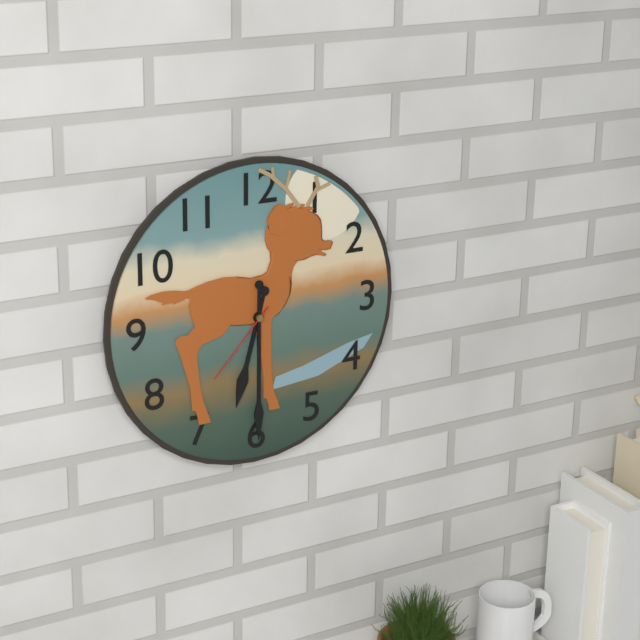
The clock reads 6:30:37
